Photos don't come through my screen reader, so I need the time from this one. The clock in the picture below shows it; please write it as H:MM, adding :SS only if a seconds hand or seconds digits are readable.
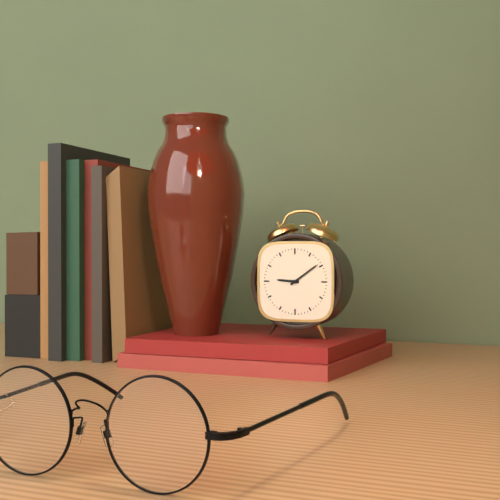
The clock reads 9:09
